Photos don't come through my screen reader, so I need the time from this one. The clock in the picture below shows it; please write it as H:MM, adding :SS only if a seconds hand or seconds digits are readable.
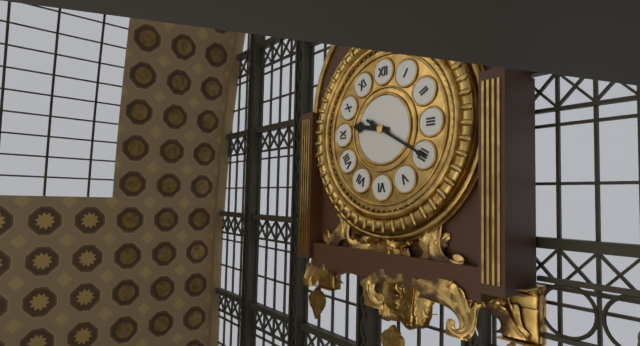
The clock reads 9:20
